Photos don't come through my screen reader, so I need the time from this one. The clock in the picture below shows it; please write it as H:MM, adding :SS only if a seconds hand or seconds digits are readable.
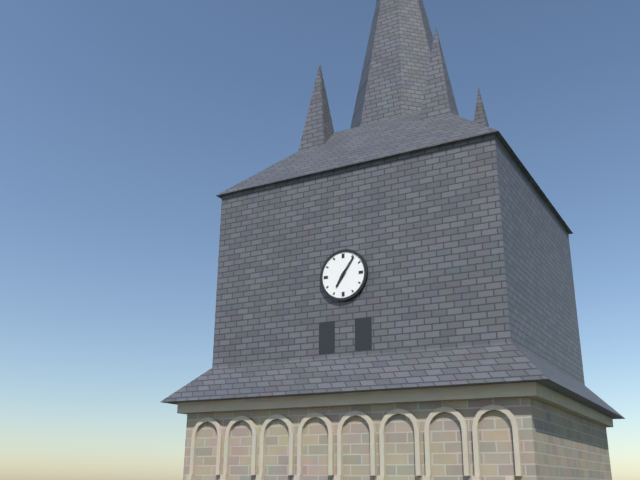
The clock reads 7:06
